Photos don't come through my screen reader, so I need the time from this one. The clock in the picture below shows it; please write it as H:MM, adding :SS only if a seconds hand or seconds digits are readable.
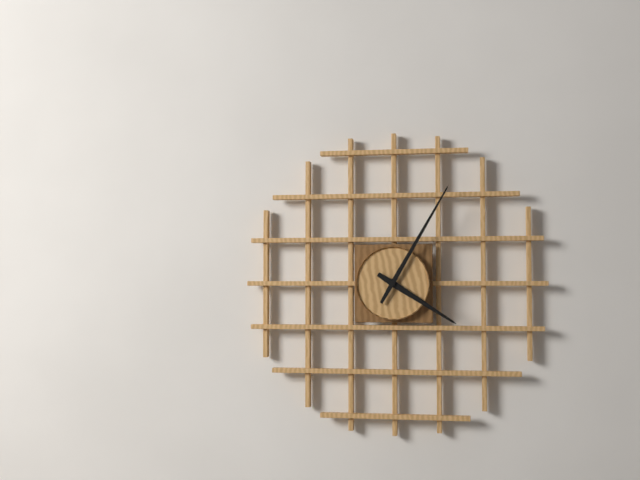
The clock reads 4:05
